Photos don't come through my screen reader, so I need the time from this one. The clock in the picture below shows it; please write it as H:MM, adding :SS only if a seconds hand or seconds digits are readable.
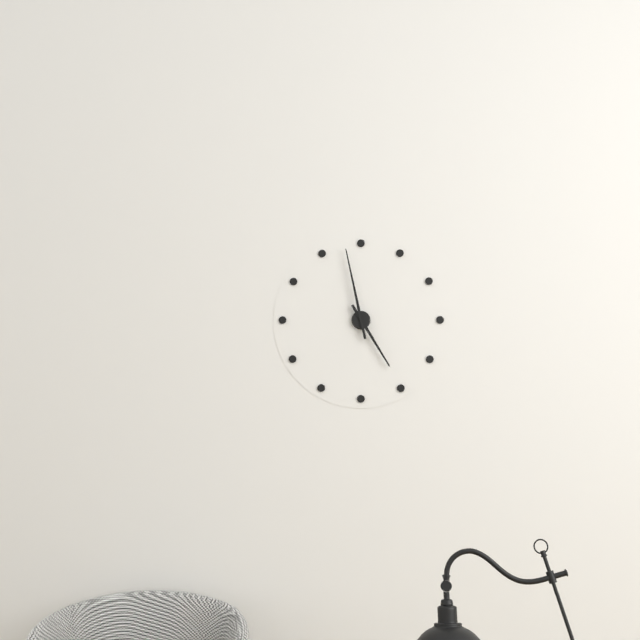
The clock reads 4:58
